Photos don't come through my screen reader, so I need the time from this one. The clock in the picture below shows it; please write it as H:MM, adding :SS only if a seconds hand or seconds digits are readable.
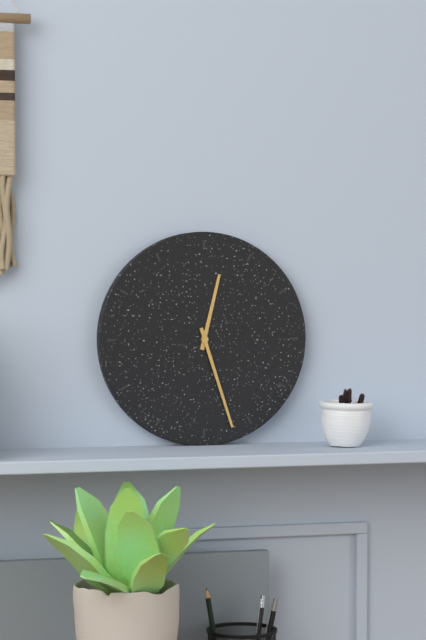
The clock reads 12:27
